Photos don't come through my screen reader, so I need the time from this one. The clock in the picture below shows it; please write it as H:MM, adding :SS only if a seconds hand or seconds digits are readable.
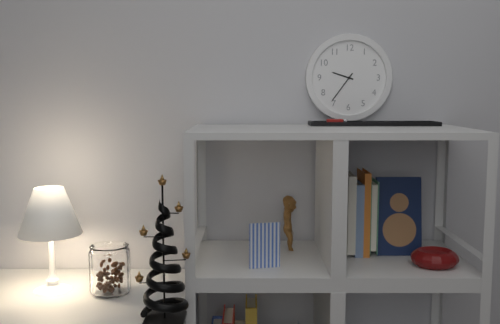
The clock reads 9:36
